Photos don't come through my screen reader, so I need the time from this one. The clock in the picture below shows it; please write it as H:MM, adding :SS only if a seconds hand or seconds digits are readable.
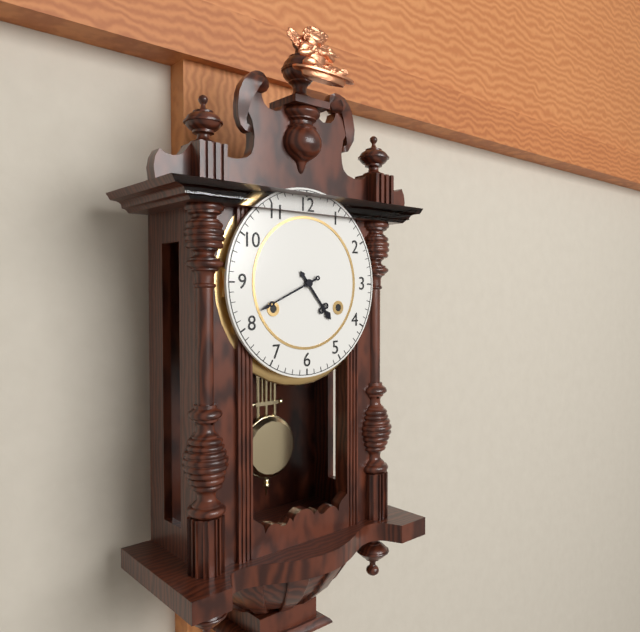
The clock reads 4:41
